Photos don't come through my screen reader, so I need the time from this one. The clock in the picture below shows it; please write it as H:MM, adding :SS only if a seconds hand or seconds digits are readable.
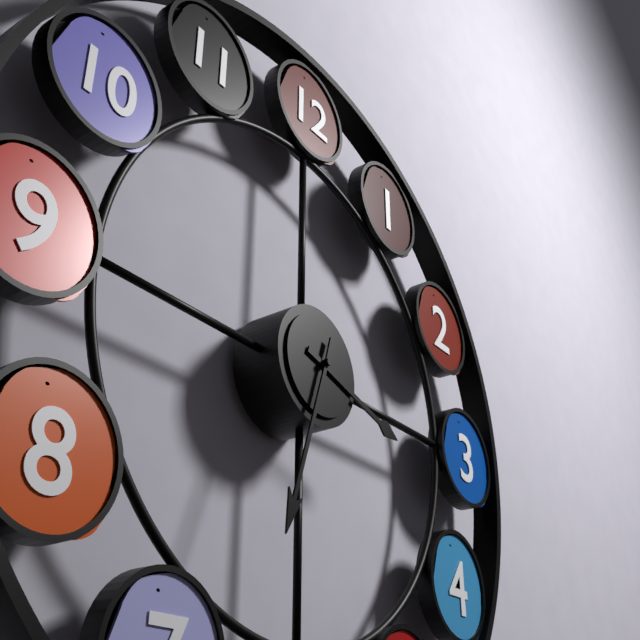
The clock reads 3:33
